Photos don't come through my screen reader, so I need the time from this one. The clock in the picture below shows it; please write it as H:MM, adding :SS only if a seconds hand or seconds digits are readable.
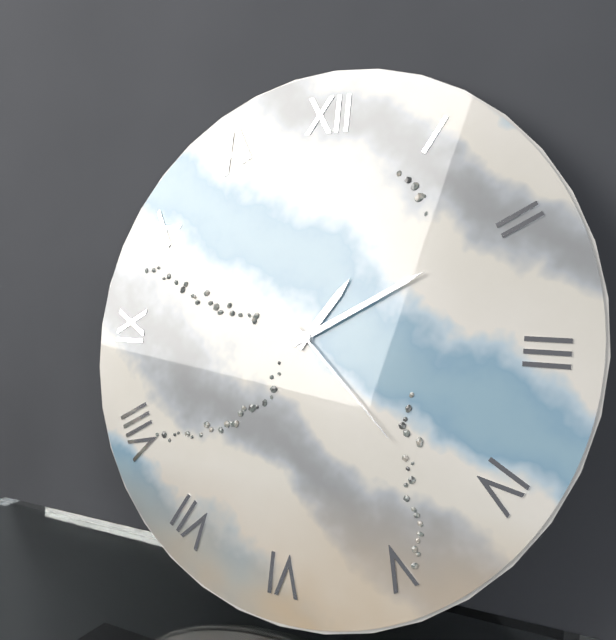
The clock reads 1:10:22
